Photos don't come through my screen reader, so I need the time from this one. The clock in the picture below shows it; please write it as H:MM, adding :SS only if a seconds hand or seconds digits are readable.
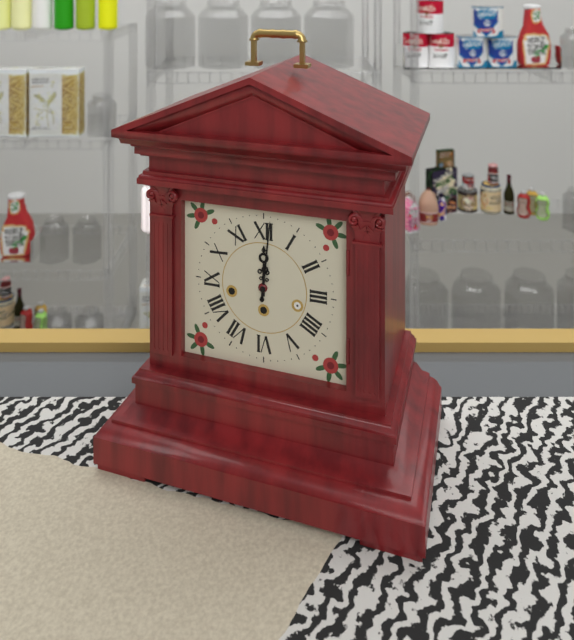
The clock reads 12:01
